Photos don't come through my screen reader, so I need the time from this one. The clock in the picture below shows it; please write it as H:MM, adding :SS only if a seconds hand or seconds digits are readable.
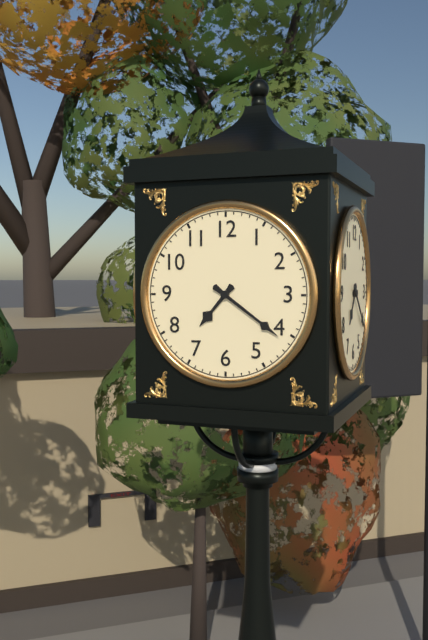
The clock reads 7:21
